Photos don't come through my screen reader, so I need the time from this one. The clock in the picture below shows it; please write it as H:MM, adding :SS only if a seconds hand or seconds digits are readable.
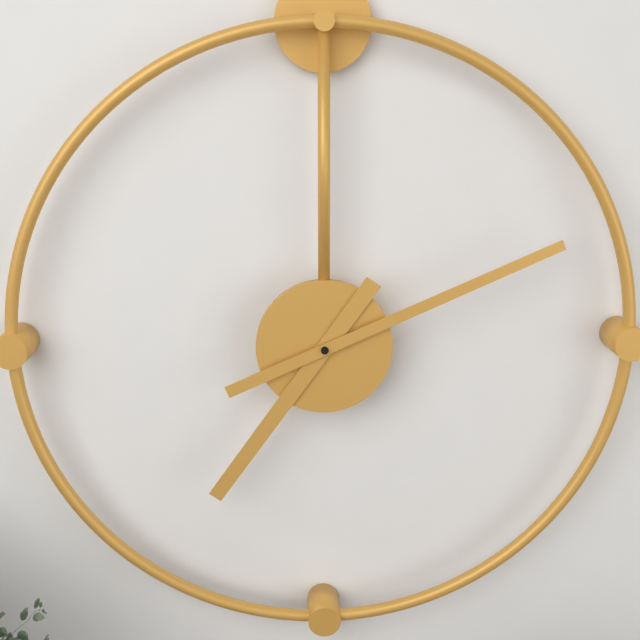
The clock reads 7:11
